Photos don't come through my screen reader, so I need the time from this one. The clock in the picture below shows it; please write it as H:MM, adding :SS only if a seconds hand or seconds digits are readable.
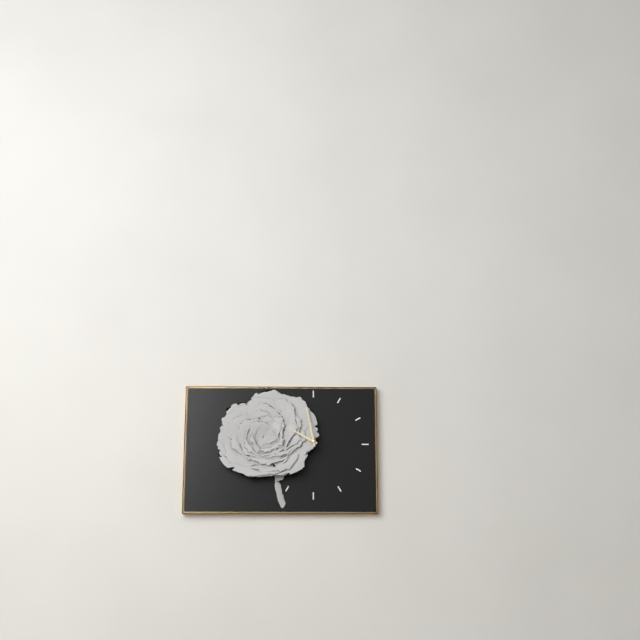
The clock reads 9:58
